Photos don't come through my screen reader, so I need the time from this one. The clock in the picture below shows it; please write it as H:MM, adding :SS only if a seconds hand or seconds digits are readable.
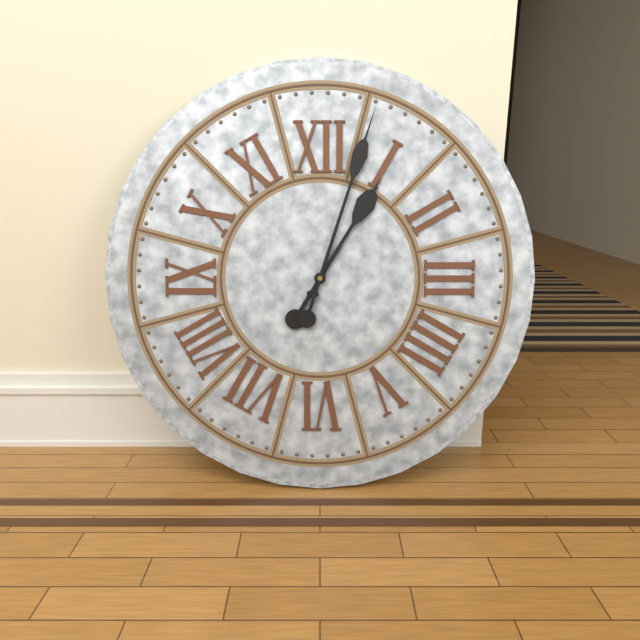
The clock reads 1:03
